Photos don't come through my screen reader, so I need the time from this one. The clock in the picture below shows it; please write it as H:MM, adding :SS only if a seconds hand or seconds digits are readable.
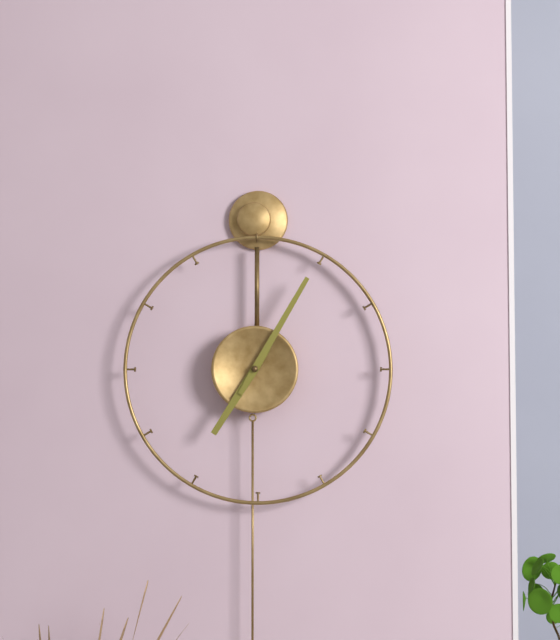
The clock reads 7:05
